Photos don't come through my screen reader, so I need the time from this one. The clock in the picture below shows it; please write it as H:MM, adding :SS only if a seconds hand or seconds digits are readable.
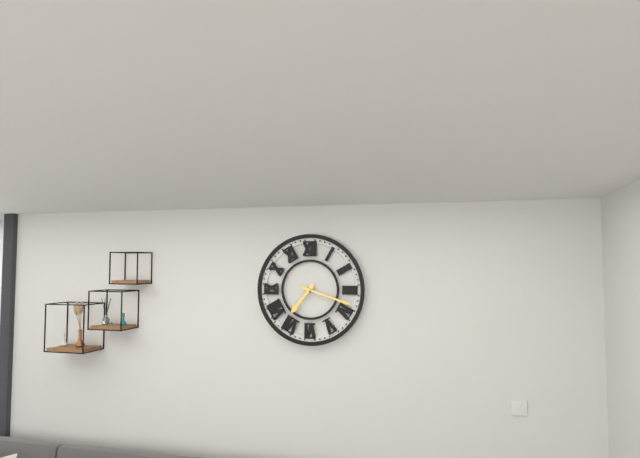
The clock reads 7:18
